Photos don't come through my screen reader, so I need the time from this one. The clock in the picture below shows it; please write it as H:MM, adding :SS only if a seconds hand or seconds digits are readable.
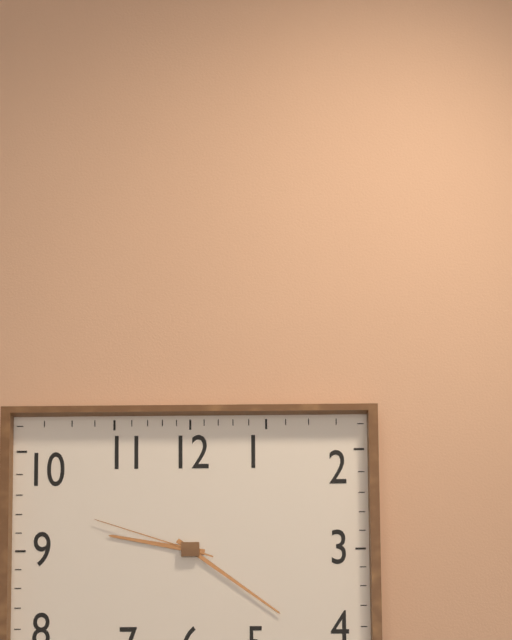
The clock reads 9:21:48
